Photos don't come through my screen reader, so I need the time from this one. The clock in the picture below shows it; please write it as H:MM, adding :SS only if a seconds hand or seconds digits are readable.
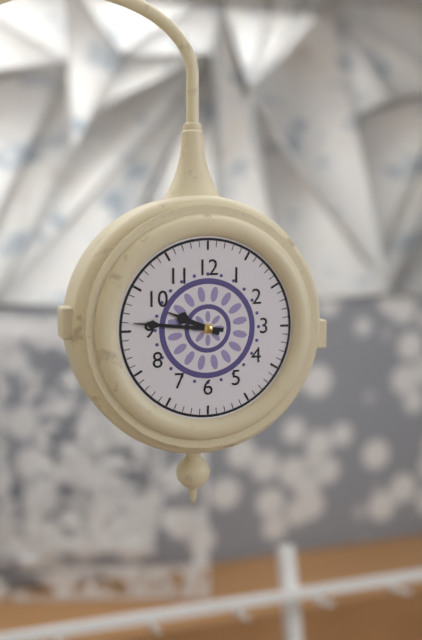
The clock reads 9:46
